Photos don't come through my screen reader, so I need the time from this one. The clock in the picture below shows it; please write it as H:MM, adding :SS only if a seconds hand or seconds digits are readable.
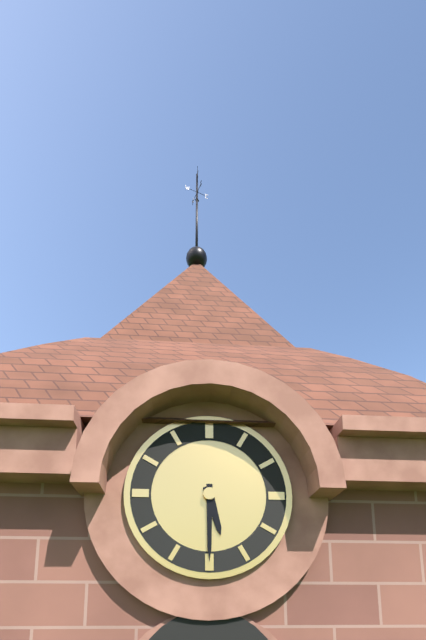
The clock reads 5:30
